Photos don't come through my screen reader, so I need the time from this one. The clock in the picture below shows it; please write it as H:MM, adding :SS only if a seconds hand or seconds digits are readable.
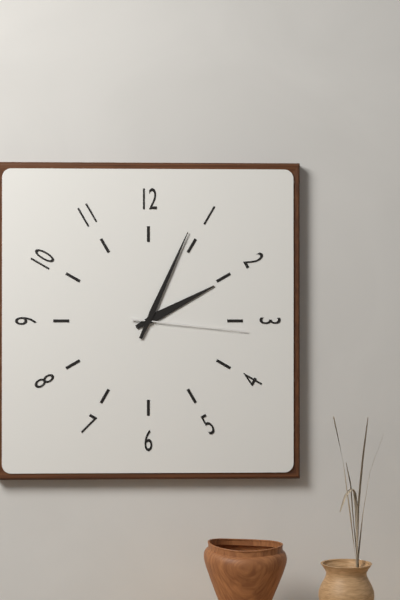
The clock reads 2:04:16
